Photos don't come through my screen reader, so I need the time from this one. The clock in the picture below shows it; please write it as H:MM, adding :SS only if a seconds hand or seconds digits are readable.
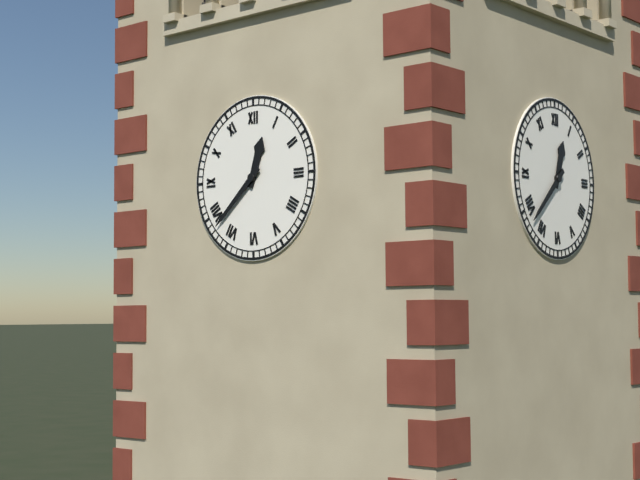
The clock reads 12:38
